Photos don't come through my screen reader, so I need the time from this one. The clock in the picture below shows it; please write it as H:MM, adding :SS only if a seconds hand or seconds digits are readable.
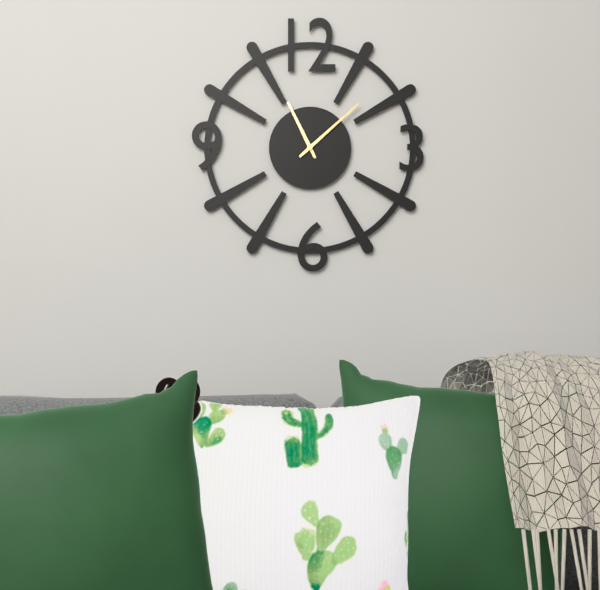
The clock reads 11:08
